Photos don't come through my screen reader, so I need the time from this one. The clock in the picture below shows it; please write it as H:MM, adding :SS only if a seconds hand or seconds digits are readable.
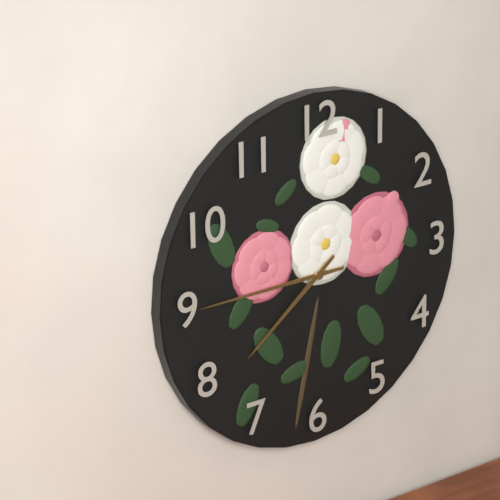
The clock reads 7:45
